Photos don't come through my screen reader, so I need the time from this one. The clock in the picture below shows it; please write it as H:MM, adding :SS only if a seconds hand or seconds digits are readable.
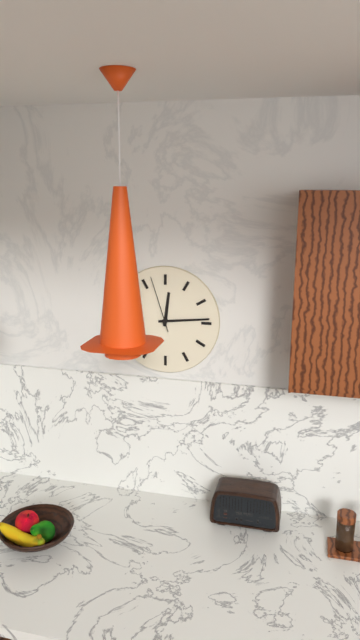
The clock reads 12:14:57
